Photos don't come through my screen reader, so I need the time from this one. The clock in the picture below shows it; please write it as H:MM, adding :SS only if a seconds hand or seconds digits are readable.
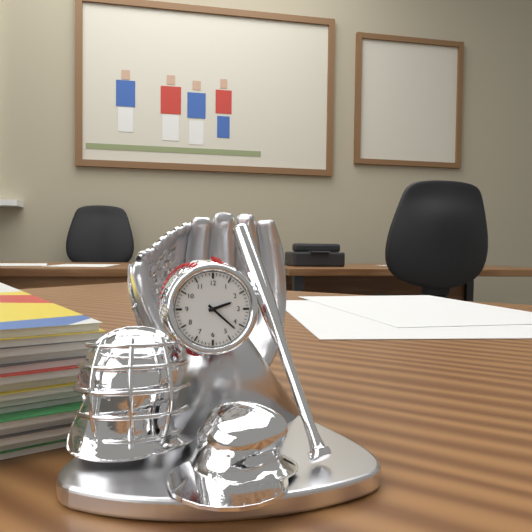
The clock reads 2:22
